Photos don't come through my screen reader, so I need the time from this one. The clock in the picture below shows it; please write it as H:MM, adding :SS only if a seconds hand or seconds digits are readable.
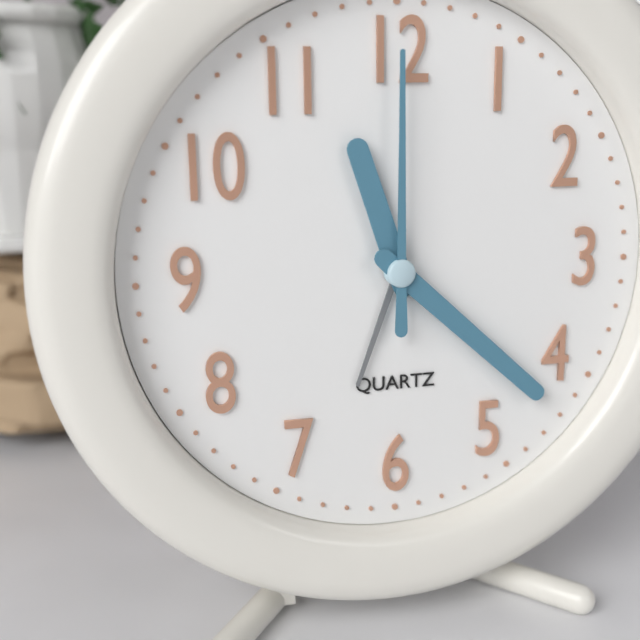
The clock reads 11:22:00
